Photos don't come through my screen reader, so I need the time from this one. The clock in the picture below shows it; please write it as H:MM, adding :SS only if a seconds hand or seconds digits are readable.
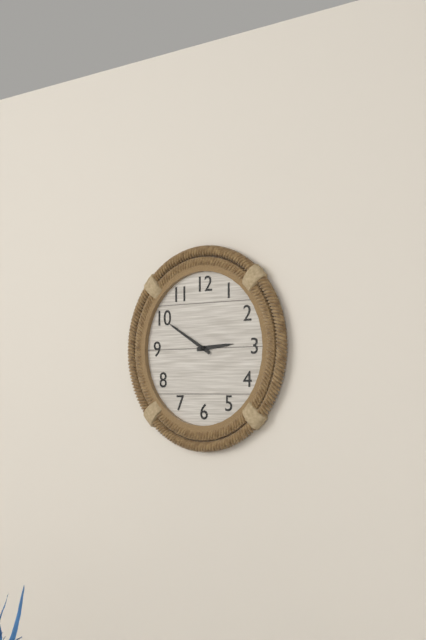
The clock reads 2:50
